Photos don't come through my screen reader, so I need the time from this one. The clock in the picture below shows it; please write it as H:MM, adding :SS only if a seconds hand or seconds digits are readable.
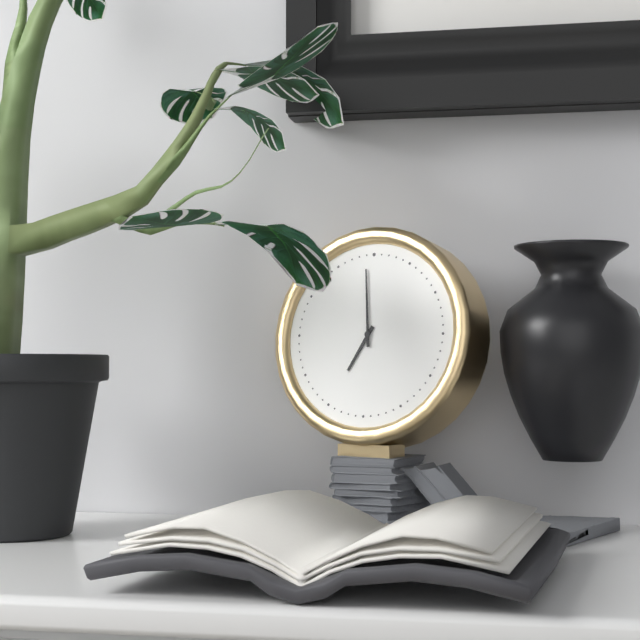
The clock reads 6:59
